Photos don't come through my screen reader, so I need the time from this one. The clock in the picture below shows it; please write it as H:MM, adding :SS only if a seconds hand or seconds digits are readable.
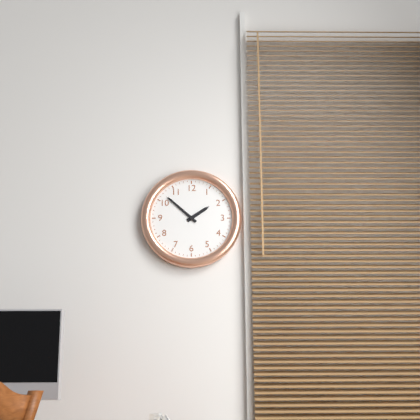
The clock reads 1:52
